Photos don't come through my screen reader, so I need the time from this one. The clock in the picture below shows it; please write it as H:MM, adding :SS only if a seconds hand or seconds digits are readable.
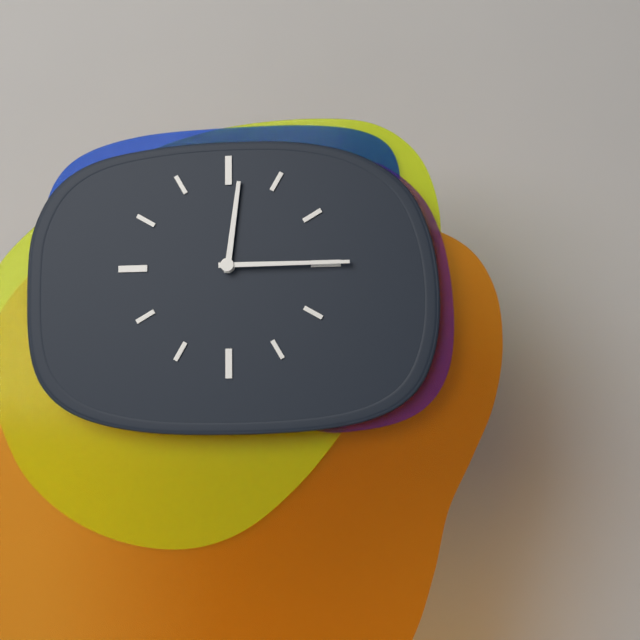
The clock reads 12:15
